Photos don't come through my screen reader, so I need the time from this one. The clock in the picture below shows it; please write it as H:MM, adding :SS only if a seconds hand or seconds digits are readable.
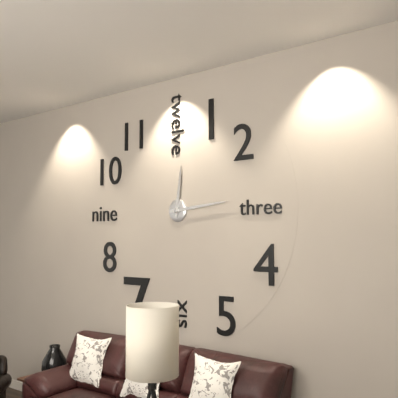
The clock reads 12:14
